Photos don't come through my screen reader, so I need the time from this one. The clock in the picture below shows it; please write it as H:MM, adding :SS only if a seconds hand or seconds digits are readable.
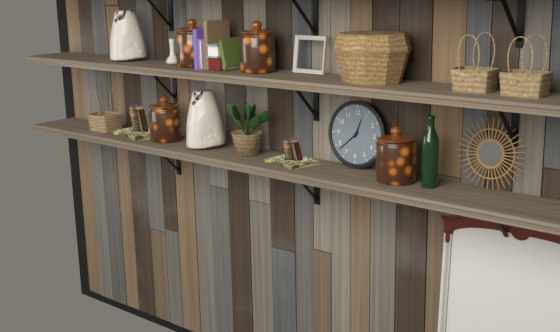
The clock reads 12:38
